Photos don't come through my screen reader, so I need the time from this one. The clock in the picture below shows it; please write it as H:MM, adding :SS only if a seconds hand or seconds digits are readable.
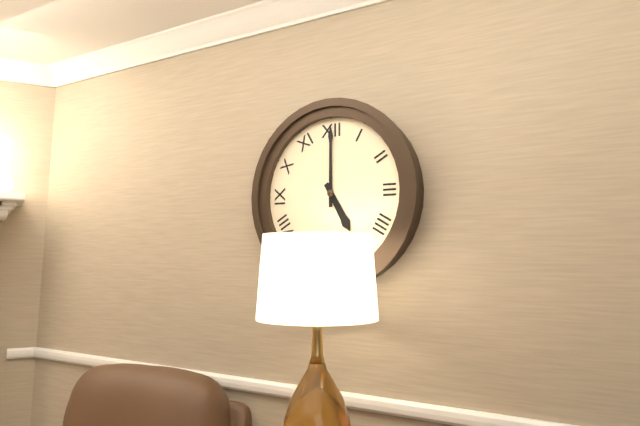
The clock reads 5:00
